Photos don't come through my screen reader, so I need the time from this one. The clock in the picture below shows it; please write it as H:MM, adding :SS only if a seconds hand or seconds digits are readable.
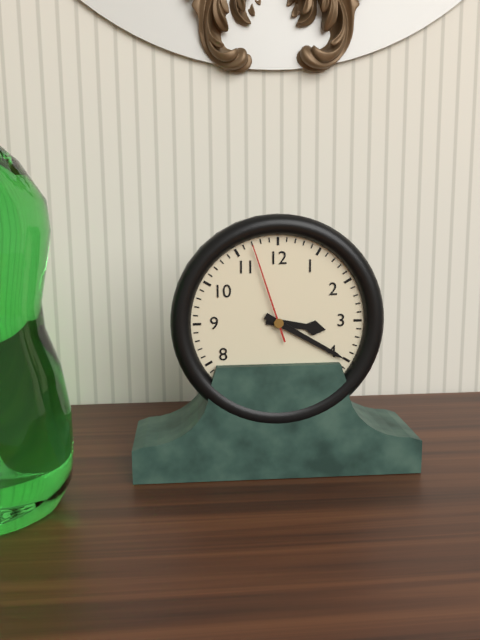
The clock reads 3:20:57
